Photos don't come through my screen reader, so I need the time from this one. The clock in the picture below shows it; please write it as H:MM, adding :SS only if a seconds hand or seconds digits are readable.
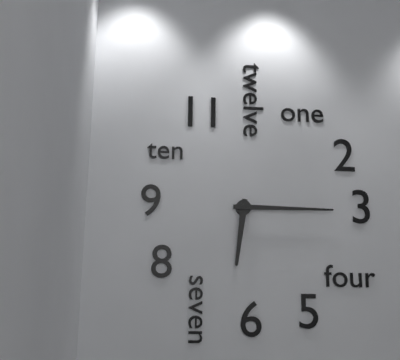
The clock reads 6:15
